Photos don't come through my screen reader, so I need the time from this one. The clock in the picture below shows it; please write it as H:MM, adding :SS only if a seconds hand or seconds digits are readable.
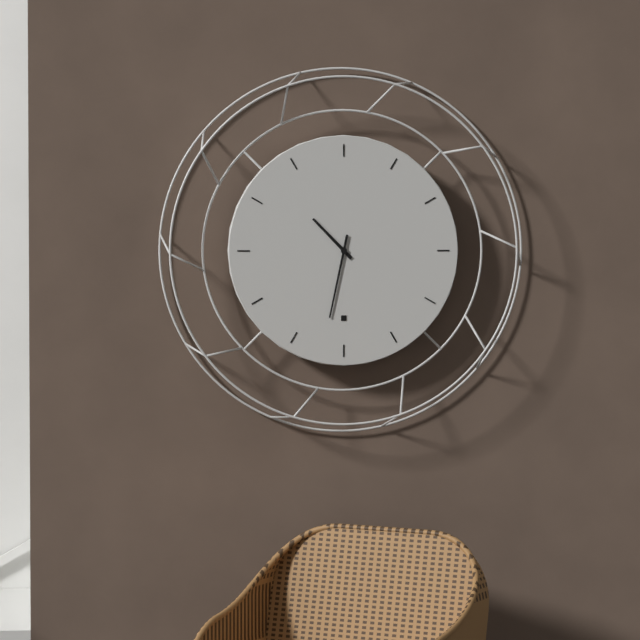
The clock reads 10:32
